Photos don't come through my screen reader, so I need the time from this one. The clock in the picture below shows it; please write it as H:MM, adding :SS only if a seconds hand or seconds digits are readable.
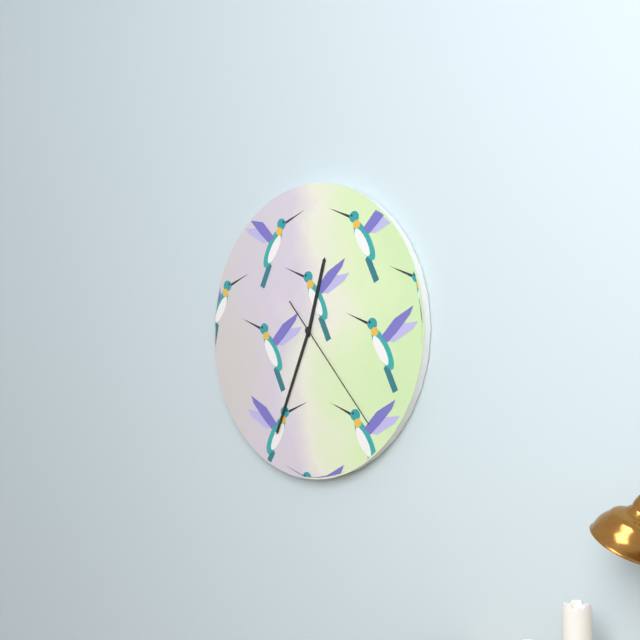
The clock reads 12:34:23
